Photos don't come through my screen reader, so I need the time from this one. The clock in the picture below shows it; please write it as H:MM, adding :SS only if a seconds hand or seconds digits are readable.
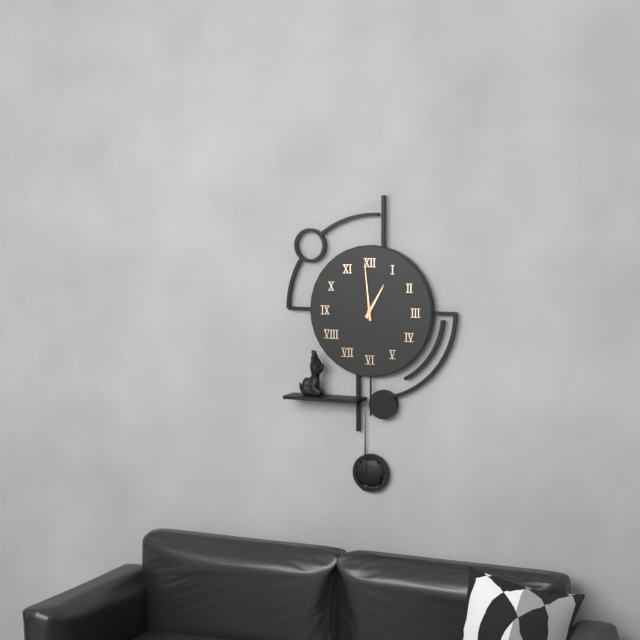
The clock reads 12:59
